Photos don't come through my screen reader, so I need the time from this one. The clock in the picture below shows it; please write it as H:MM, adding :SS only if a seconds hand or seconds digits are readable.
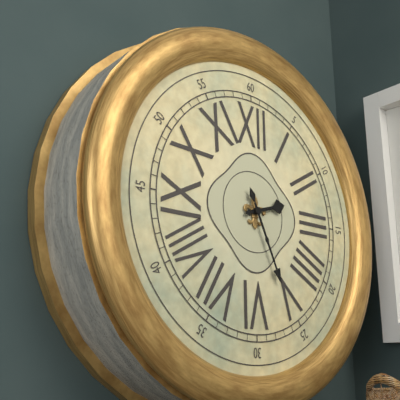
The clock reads 2:26
